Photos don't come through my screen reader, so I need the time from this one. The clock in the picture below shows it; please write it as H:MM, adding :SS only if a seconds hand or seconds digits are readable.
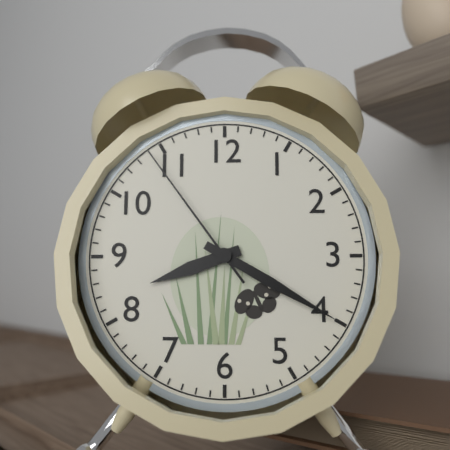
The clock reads 8:20:54
